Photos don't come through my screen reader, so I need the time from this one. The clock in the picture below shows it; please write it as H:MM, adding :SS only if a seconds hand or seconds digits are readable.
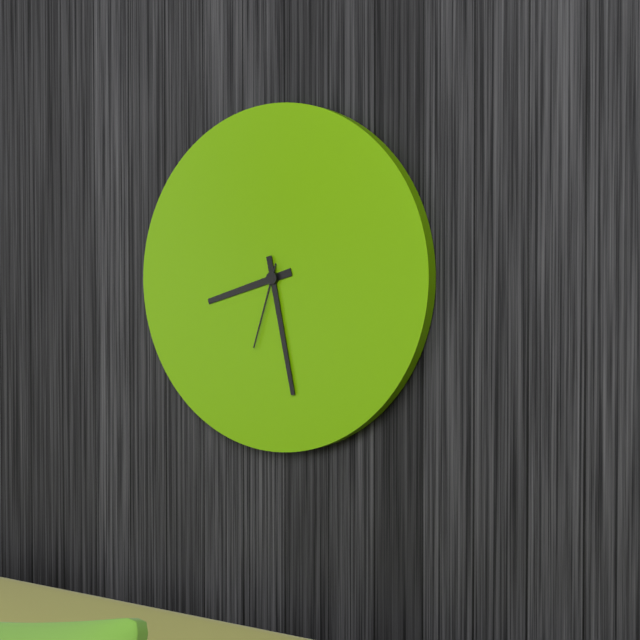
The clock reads 8:28:33
